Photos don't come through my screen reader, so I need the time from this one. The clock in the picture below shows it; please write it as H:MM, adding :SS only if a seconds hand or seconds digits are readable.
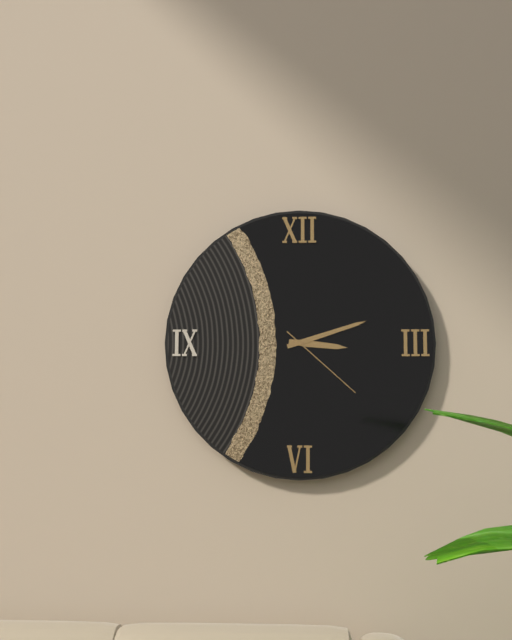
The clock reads 3:12:22
